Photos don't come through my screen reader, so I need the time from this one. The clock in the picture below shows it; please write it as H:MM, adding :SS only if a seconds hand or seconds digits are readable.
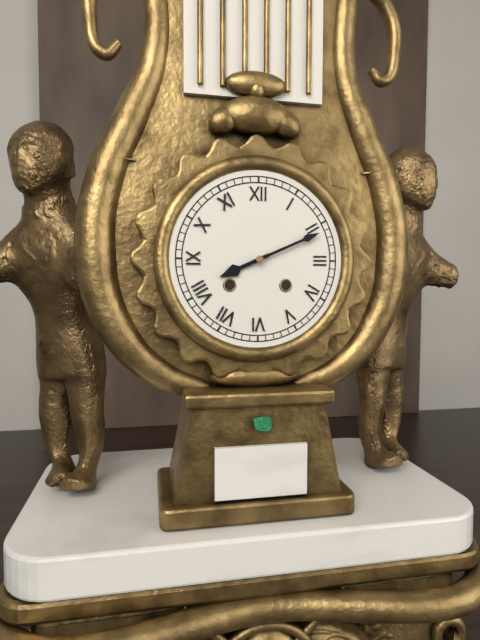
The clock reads 8:11
